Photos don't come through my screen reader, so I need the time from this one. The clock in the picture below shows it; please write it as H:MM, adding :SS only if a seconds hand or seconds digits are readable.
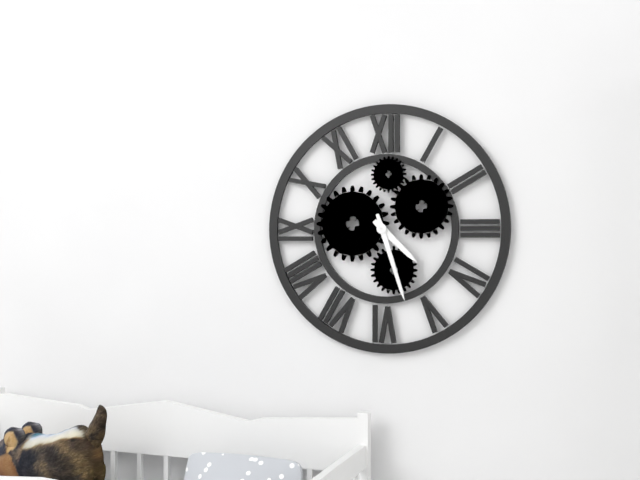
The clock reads 4:27
